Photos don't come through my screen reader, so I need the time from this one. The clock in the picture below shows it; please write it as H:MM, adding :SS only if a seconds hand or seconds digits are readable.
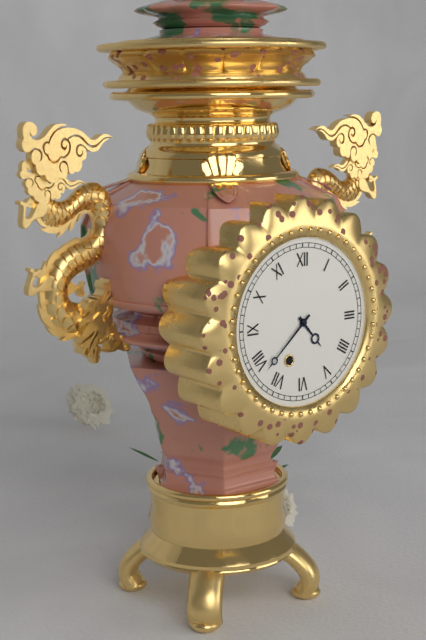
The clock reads 4:38
